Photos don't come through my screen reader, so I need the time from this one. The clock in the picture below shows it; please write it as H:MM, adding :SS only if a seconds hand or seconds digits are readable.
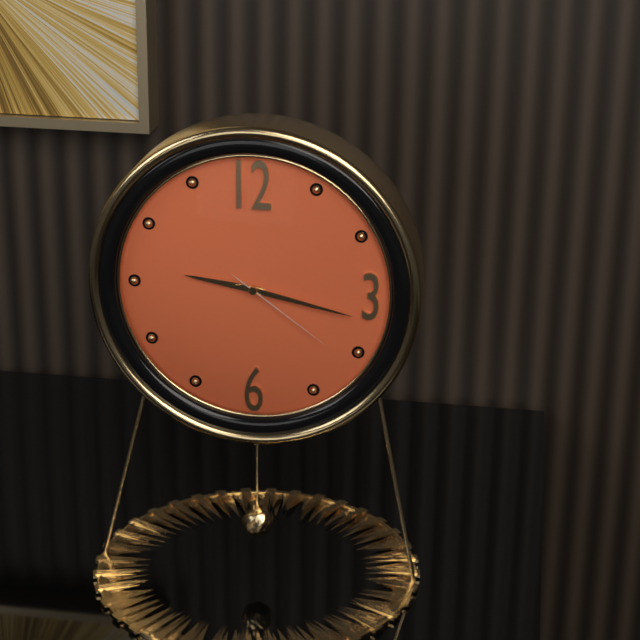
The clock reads 9:17:21
